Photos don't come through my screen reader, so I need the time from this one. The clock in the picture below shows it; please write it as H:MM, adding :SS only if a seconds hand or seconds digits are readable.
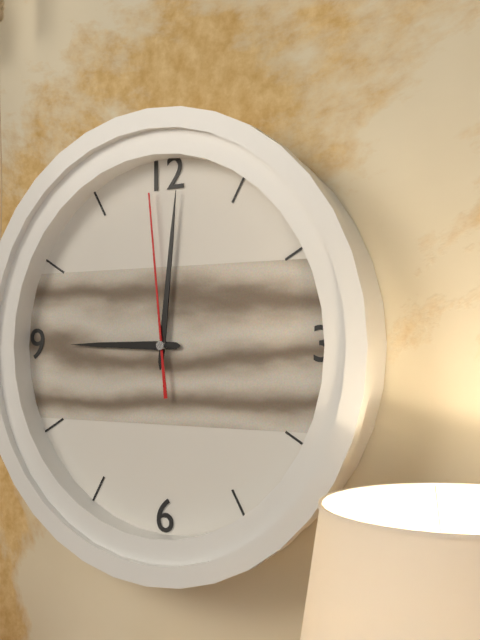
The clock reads 9:01:59
